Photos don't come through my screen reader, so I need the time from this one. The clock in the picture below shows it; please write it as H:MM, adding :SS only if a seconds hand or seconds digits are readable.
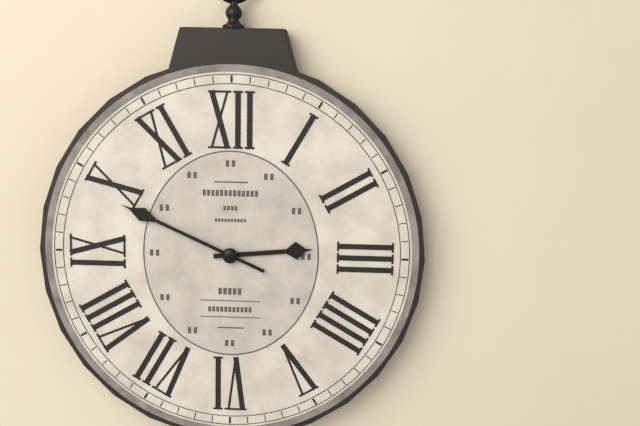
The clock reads 2:49
